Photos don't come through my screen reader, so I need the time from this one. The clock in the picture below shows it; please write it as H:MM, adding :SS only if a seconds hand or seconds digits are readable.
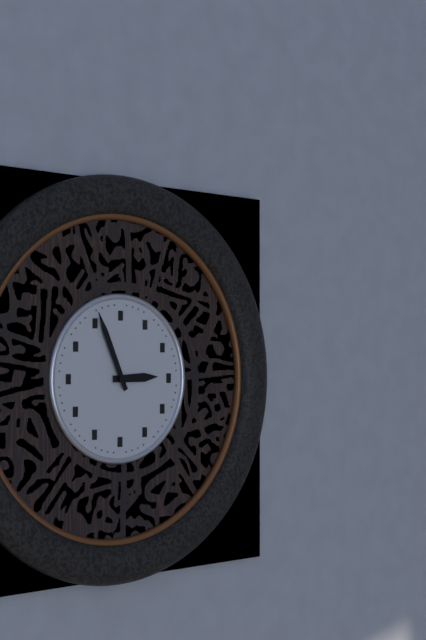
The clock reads 2:56
